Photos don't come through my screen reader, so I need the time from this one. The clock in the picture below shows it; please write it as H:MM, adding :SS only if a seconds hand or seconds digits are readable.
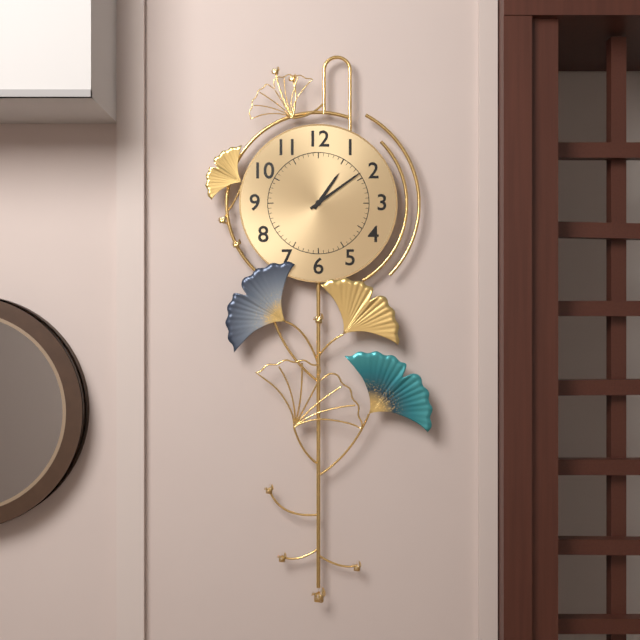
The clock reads 1:09
